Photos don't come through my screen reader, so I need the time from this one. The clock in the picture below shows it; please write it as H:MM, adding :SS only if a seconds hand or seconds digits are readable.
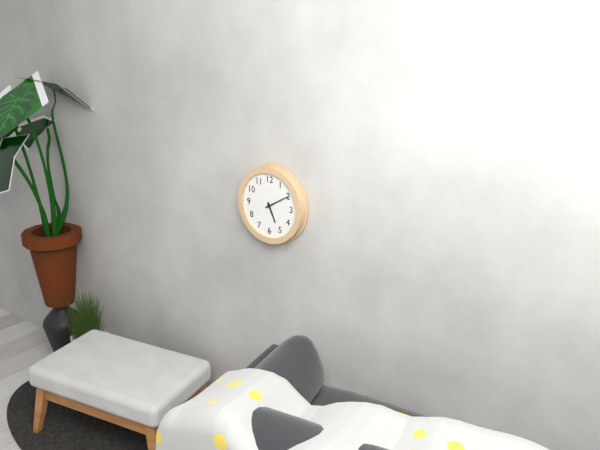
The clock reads 5:10
